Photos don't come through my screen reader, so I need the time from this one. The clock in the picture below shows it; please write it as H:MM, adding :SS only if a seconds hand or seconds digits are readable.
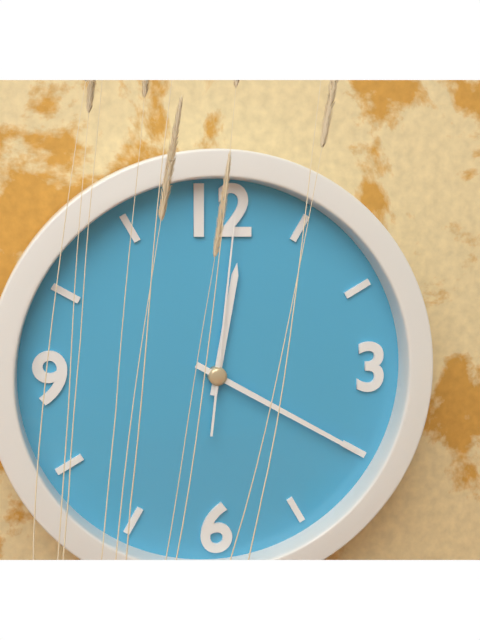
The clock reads 12:20:01
